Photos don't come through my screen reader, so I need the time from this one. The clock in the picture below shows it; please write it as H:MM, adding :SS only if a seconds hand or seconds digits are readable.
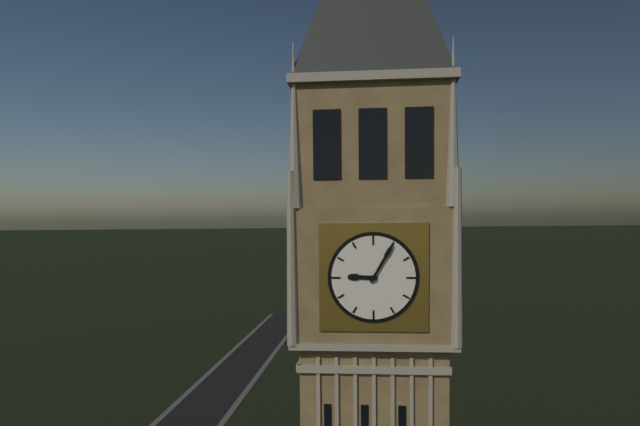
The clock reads 9:05
